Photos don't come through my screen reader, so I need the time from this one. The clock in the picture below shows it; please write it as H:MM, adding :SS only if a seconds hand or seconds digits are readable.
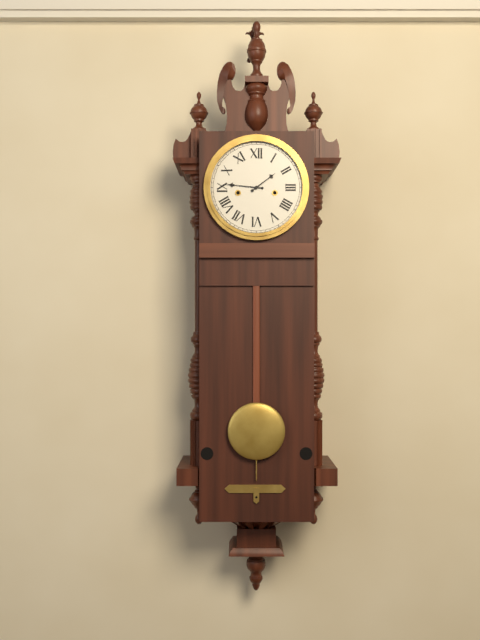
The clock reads 1:46
